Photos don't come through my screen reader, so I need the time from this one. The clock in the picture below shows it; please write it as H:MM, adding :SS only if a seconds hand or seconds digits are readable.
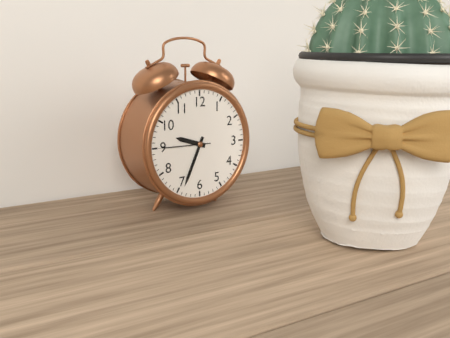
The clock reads 9:34:45
